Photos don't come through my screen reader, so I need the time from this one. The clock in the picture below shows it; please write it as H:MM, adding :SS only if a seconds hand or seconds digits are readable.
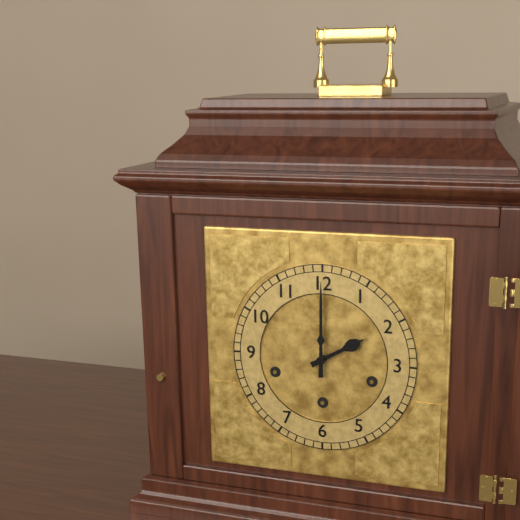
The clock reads 2:00
